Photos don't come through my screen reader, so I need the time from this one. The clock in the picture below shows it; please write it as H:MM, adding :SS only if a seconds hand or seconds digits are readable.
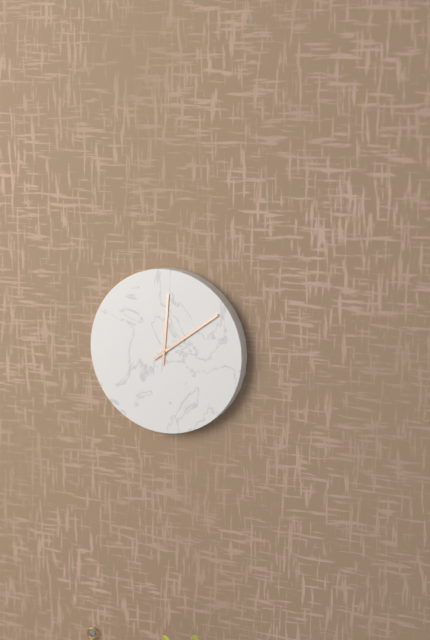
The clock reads 12:09
